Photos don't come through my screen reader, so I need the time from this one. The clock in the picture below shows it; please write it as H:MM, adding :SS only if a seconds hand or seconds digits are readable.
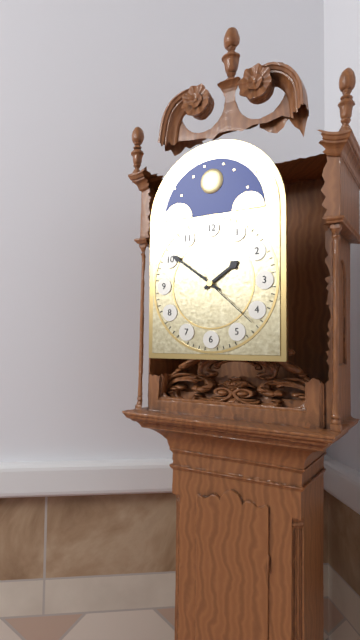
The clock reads 1:51:22
